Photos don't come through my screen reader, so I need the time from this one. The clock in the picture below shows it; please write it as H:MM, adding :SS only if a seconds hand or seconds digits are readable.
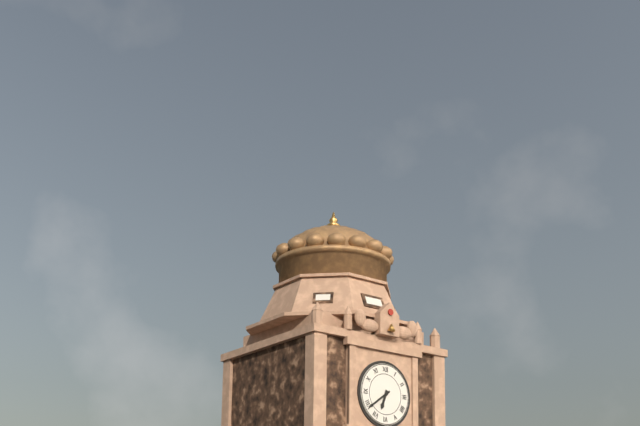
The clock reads 6:39
